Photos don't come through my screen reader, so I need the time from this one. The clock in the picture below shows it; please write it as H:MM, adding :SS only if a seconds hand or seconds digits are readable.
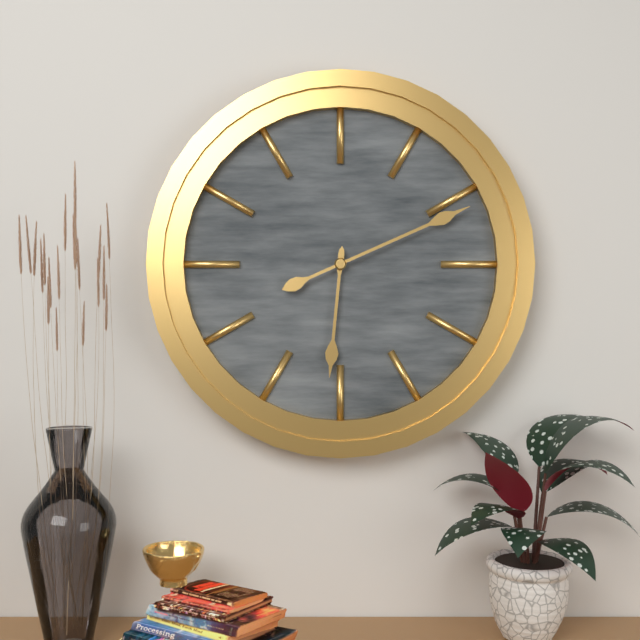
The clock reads 6:11
